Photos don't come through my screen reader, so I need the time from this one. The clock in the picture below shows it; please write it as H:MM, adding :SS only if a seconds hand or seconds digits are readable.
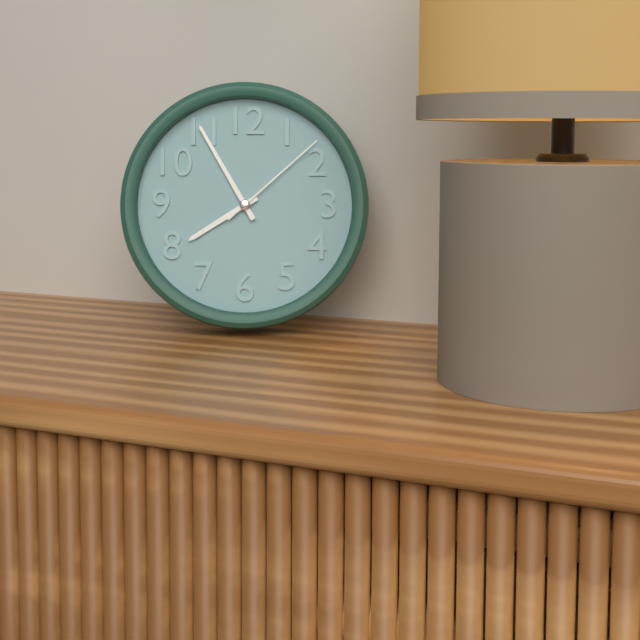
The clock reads 7:55:08
